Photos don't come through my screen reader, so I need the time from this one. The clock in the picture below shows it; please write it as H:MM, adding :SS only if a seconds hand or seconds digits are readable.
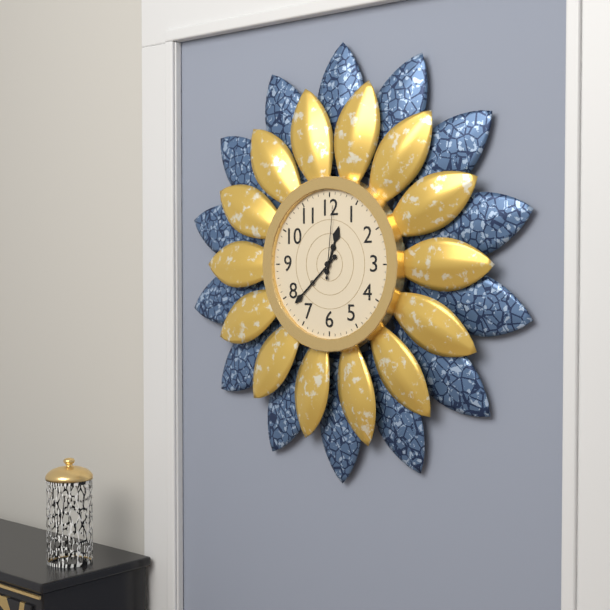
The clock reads 12:38:01
